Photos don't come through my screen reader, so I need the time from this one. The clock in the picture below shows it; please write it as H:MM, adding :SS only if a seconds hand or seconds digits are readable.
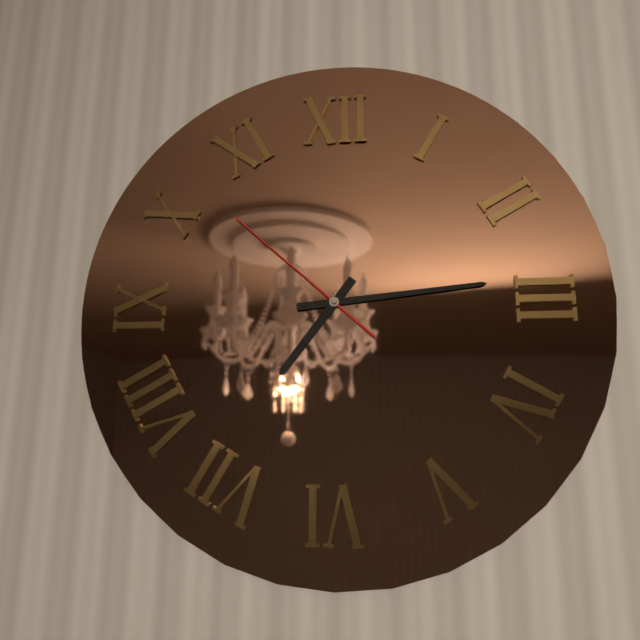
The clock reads 7:14:52
